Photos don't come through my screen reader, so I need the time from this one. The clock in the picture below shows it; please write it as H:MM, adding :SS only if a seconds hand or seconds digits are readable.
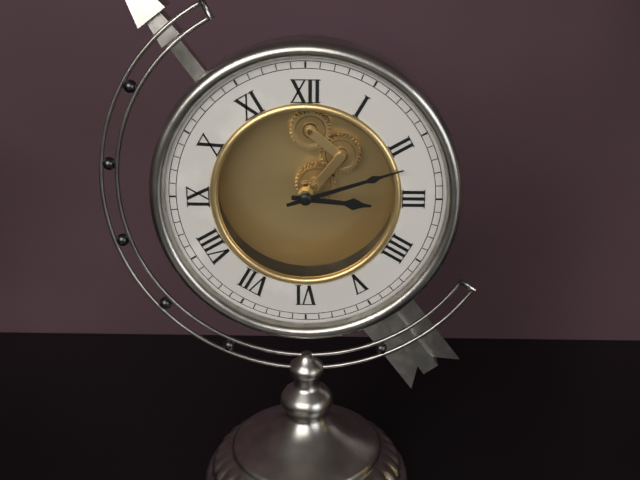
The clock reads 3:12
